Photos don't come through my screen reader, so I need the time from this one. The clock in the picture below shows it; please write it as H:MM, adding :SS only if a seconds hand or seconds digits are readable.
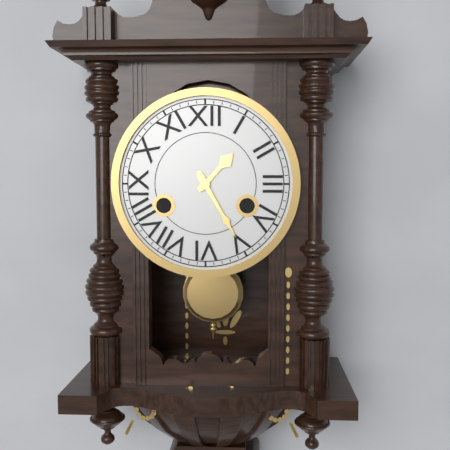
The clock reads 1:25
